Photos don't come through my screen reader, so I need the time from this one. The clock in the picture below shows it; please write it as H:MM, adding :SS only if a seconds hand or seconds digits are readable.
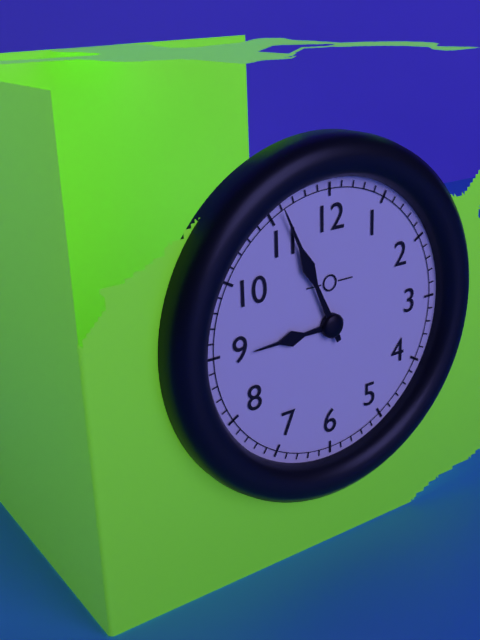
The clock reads 8:56
